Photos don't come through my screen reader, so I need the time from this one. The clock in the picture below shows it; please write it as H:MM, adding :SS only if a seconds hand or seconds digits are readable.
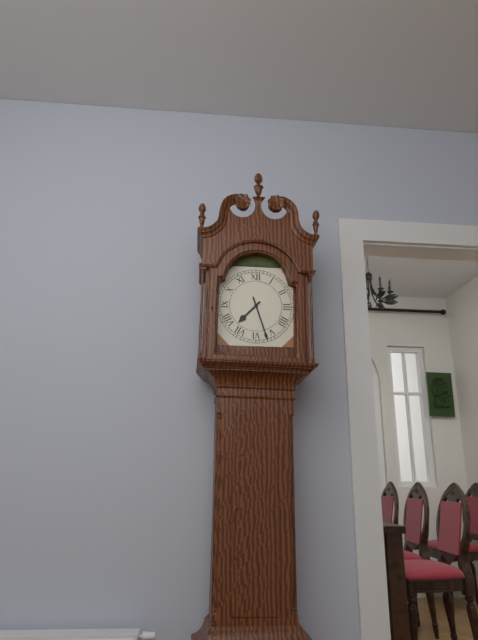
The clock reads 7:27
